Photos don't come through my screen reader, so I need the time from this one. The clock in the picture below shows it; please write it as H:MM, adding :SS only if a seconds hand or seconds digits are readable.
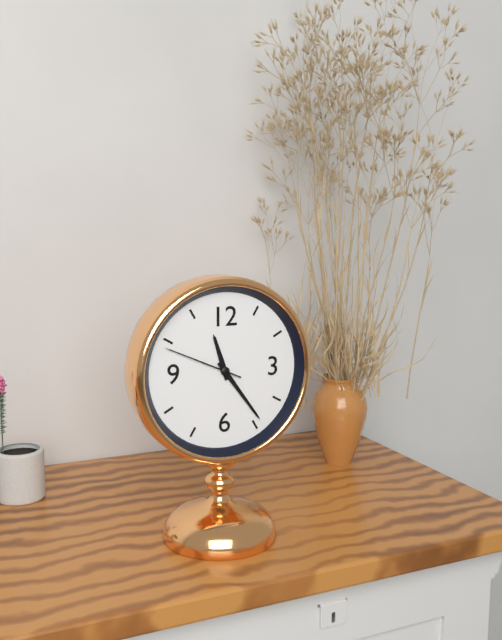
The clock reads 11:24:49
